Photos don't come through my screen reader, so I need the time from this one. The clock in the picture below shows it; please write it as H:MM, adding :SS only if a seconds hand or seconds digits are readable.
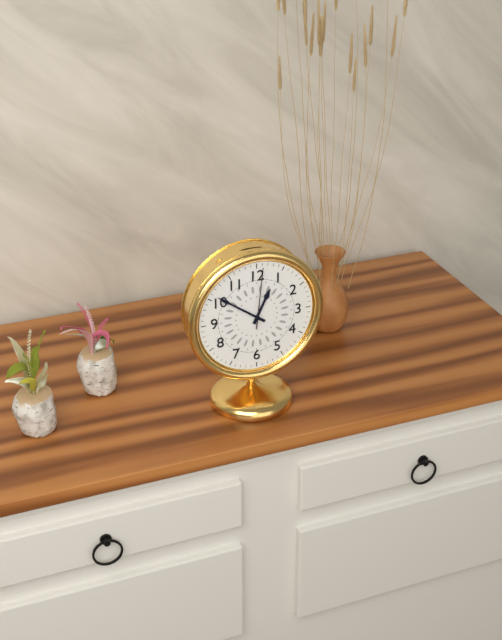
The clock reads 12:51:01
